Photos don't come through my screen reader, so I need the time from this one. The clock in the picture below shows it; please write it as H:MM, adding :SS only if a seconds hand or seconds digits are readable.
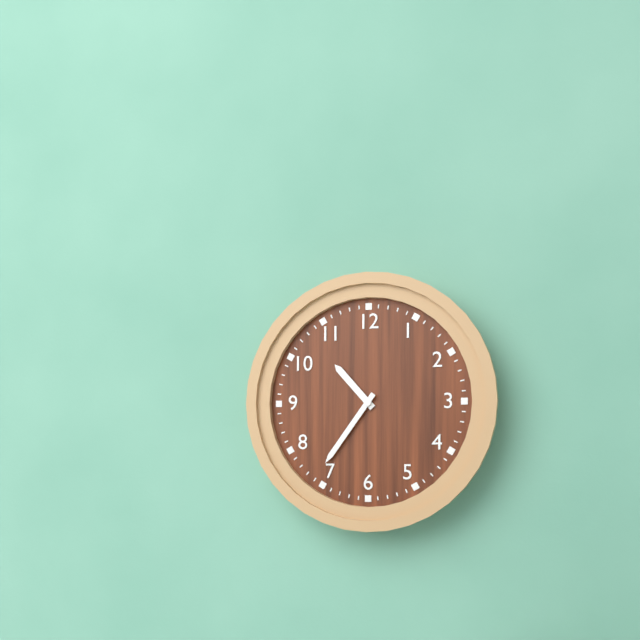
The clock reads 10:36
